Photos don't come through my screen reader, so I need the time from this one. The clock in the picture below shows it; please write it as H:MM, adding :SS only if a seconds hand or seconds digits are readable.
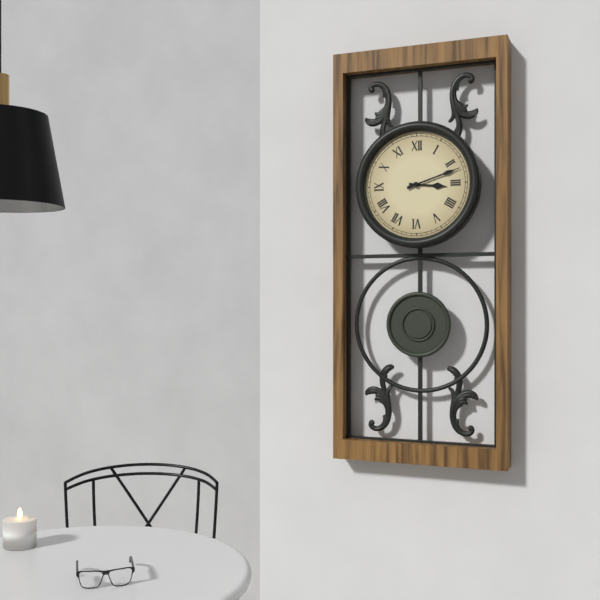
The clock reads 3:12
